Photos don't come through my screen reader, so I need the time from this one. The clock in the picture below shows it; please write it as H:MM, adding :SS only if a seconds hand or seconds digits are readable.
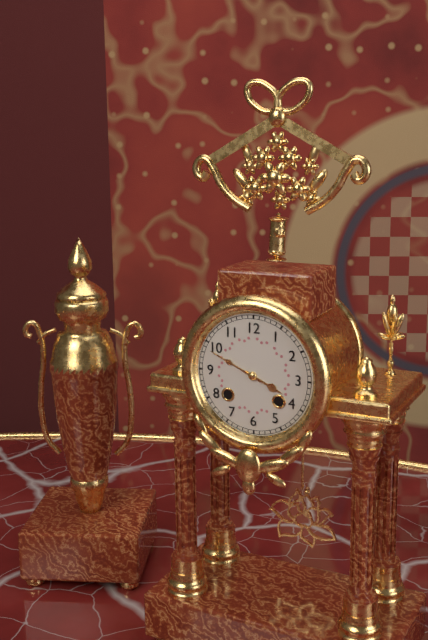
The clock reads 3:49
